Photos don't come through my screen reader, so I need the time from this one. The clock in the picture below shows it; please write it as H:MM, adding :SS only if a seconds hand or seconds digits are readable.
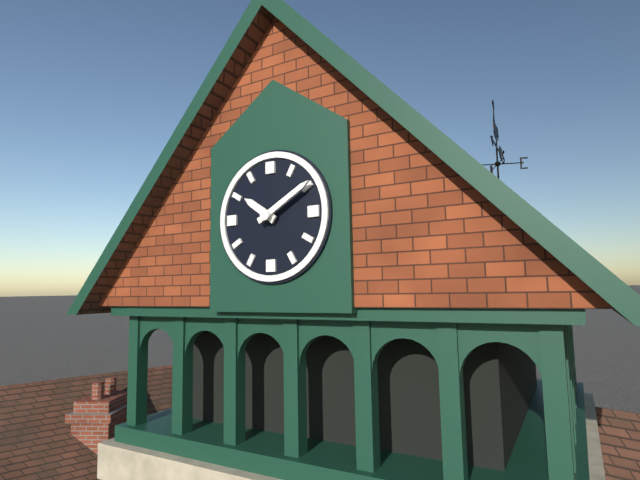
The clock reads 10:10
